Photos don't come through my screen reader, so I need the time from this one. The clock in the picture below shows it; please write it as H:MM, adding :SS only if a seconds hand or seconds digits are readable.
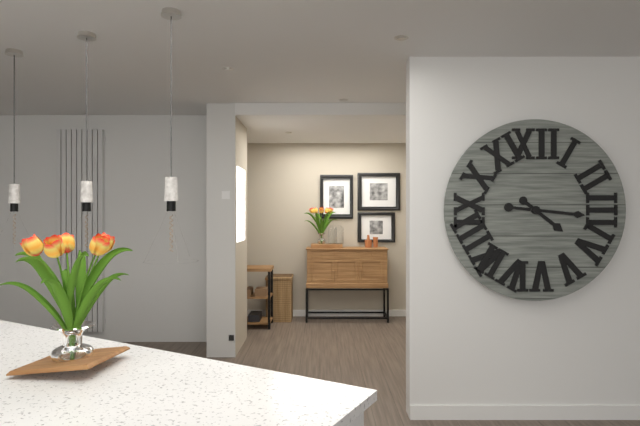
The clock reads 4:16
